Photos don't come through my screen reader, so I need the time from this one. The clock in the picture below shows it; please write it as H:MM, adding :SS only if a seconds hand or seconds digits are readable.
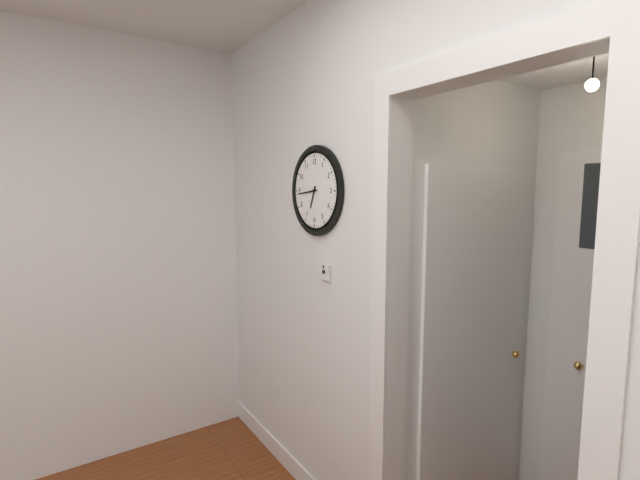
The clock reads 6:44
